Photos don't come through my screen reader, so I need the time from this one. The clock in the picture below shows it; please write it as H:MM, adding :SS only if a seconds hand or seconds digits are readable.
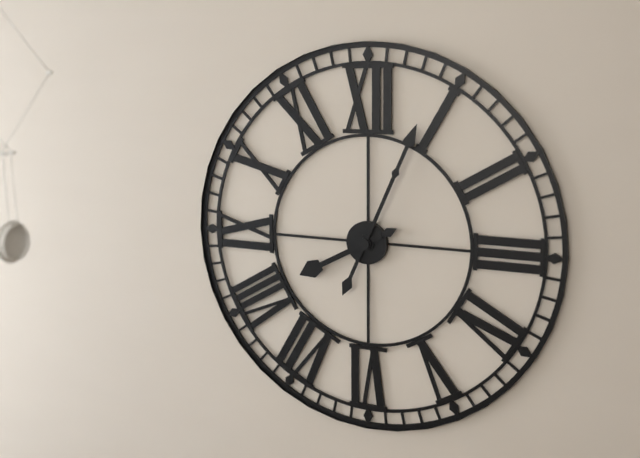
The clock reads 8:04
